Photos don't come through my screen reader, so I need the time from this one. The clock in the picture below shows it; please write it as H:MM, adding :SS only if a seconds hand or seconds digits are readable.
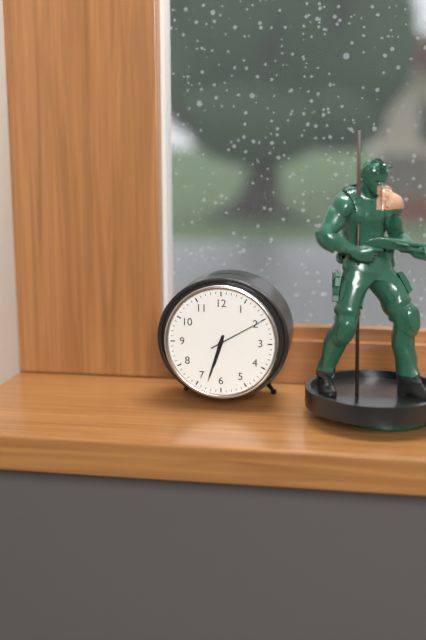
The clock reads 6:33:10
